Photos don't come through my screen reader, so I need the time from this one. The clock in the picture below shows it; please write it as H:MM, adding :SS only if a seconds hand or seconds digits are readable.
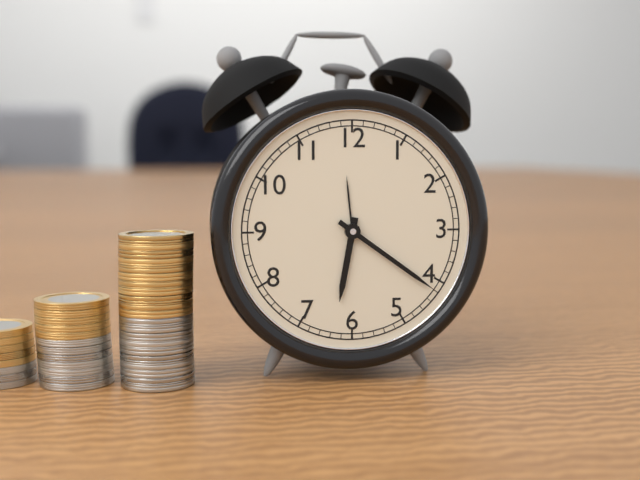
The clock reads 6:21
